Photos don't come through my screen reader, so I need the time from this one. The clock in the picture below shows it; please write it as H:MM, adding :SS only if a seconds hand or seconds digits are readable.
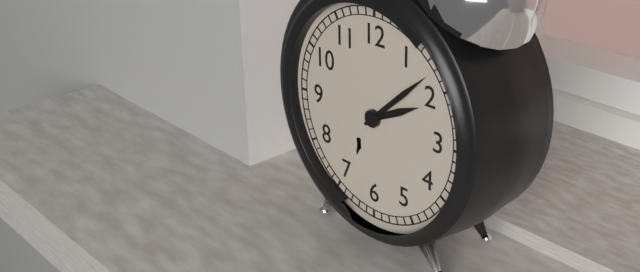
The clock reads 2:08
